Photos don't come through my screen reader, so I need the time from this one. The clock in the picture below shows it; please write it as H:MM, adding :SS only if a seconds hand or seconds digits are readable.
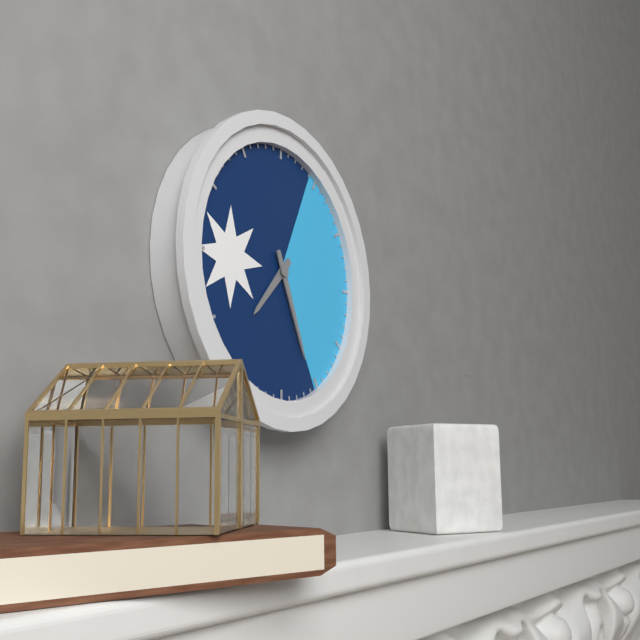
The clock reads 7:26
